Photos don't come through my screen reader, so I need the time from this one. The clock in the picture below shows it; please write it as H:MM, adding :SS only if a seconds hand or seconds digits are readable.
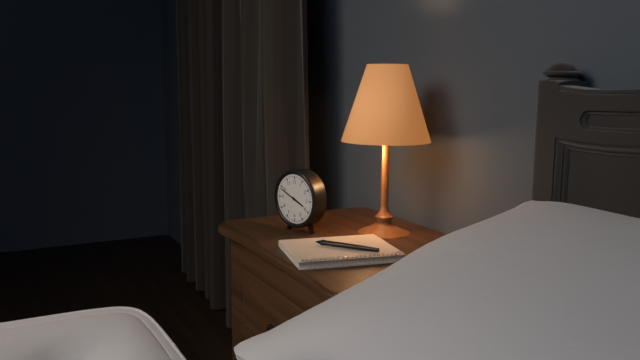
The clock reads 3:49
